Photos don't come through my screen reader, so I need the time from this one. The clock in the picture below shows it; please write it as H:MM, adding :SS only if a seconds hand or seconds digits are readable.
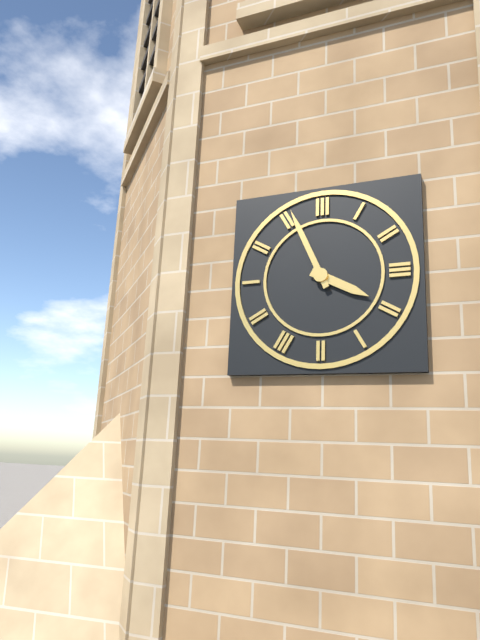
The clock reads 3:56
